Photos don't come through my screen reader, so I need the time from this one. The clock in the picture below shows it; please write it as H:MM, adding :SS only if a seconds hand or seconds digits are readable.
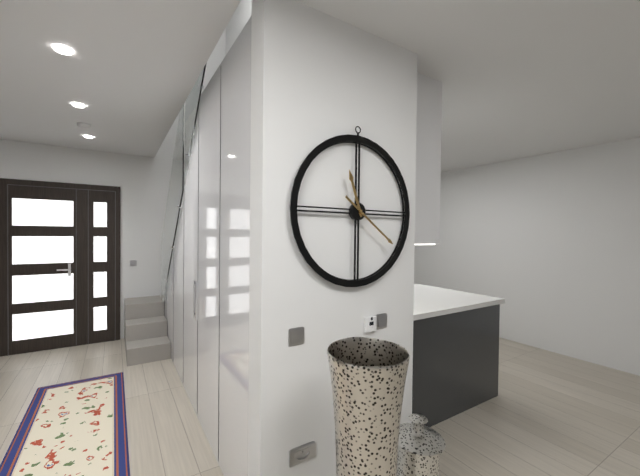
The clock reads 11:21
